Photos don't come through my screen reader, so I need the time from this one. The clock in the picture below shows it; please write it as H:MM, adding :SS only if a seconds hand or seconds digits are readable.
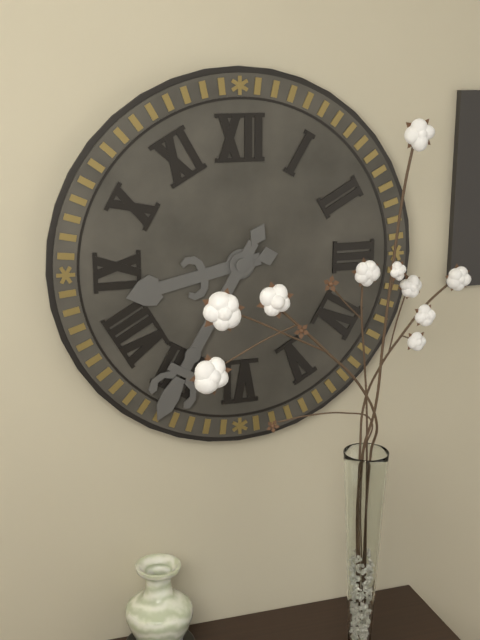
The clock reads 8:35
